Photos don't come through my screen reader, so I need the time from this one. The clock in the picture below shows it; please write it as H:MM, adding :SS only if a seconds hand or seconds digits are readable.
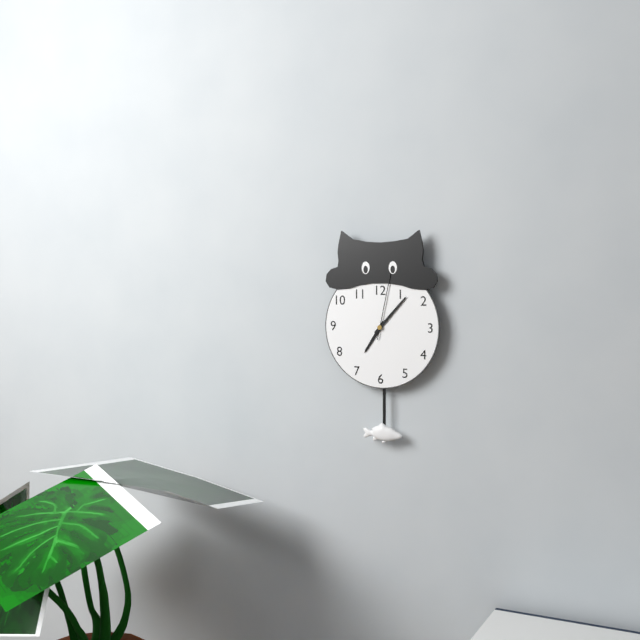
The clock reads 7:07:02
